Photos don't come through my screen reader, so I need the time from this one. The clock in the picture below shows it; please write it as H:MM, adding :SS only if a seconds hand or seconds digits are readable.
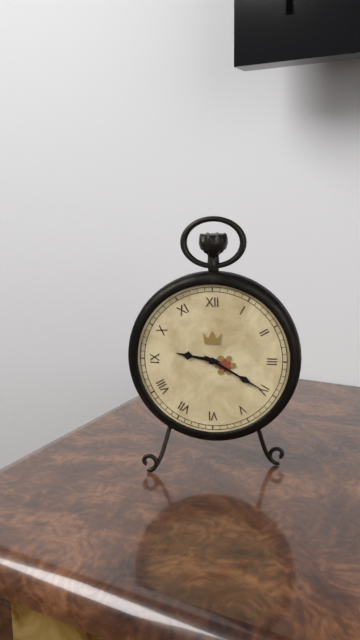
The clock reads 9:20
